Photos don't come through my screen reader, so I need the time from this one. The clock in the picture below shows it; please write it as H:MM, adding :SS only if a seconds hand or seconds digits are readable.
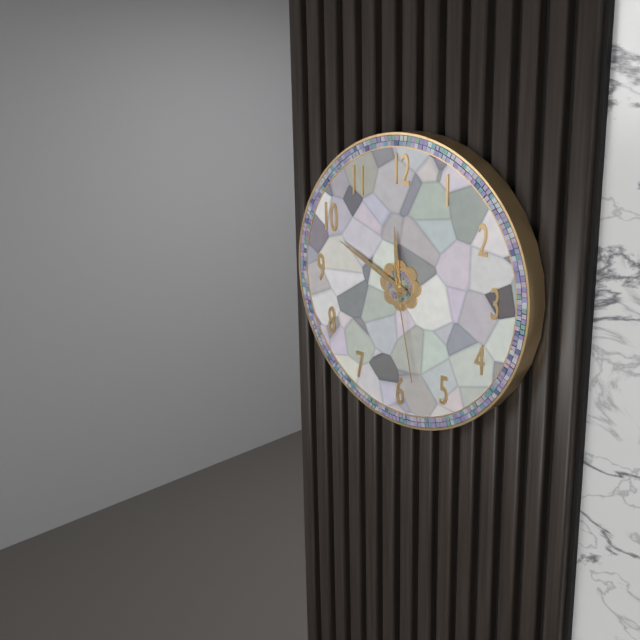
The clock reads 11:49:28
